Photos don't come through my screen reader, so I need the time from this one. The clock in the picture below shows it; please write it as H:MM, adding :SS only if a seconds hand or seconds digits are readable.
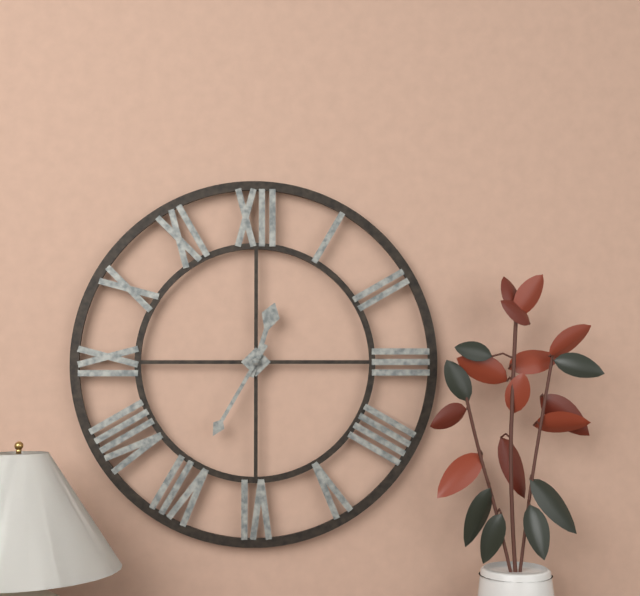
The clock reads 12:35
